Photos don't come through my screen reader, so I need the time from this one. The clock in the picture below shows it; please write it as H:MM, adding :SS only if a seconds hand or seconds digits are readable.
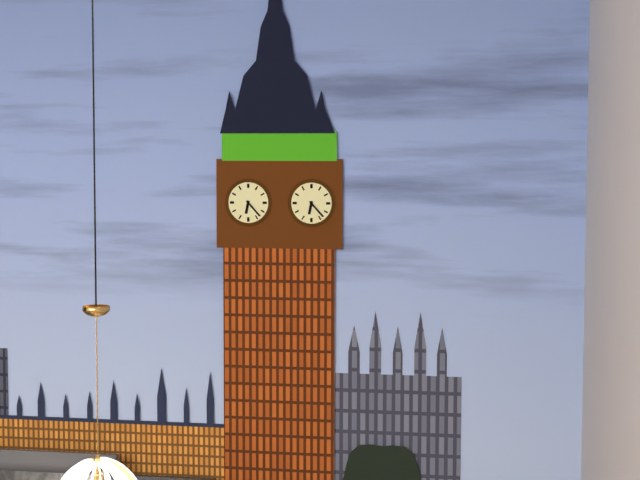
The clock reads 6:23
